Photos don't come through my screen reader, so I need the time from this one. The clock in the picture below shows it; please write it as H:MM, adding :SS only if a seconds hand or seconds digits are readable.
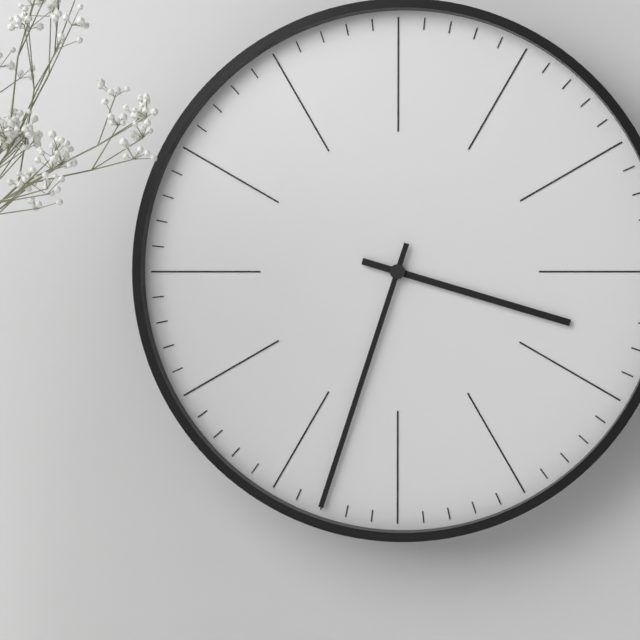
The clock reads 3:33
